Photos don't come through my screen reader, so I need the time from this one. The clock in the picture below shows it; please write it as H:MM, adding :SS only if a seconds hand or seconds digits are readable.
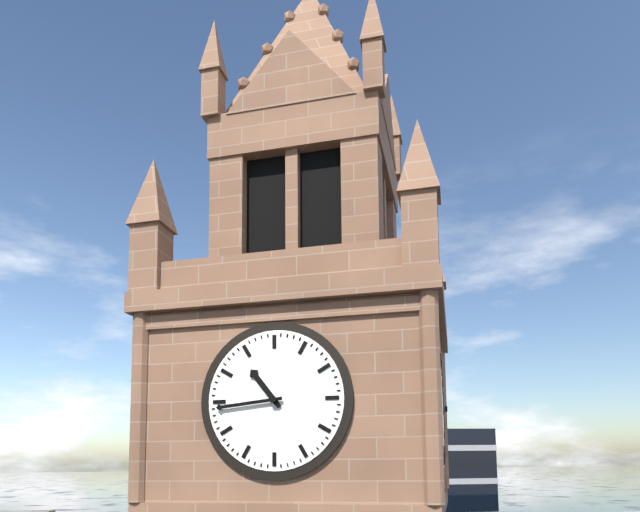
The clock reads 10:44
